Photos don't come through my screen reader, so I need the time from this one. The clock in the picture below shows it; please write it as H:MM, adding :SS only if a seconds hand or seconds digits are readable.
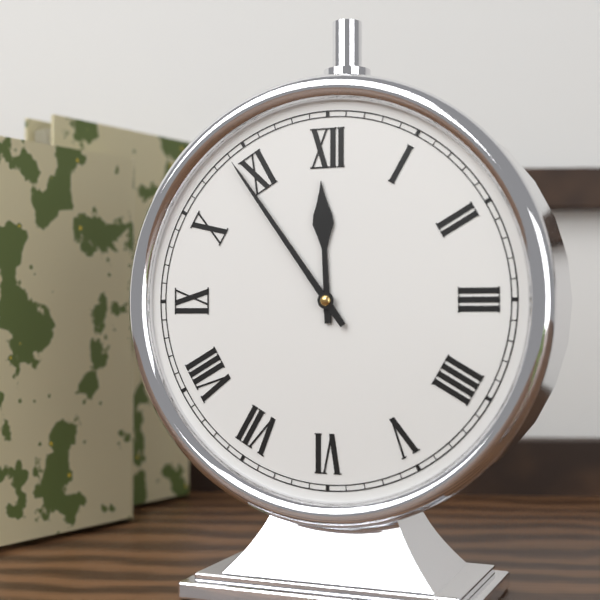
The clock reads 11:54
